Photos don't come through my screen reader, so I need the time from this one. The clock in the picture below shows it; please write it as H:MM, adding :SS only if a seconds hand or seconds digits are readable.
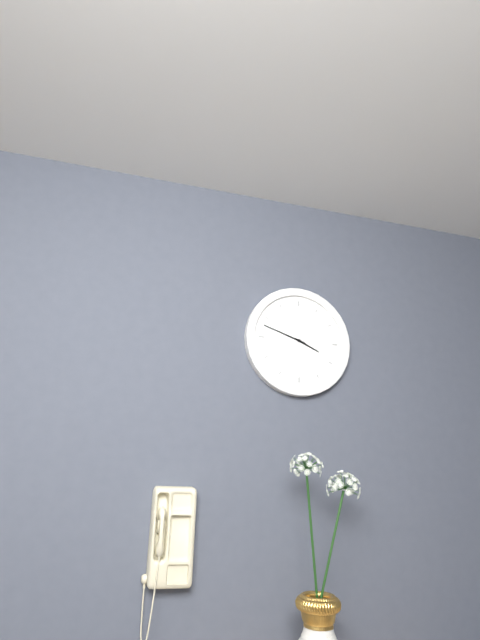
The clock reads 3:48
